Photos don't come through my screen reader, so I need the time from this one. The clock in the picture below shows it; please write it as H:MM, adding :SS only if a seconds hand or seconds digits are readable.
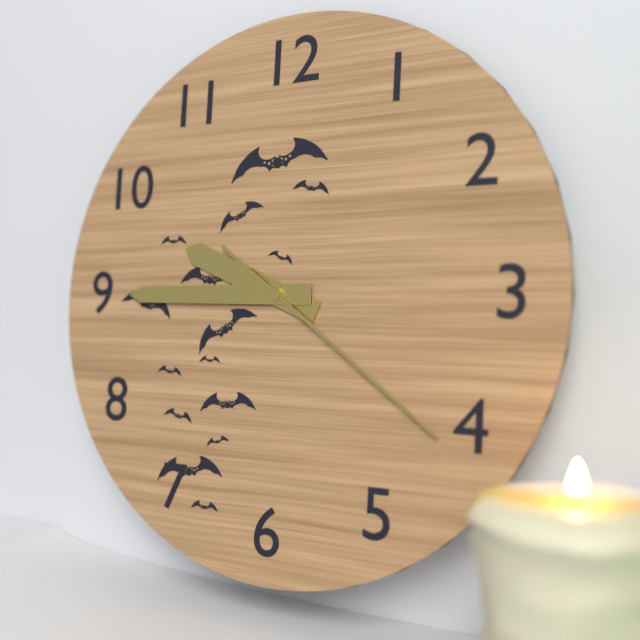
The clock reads 9:45:21
